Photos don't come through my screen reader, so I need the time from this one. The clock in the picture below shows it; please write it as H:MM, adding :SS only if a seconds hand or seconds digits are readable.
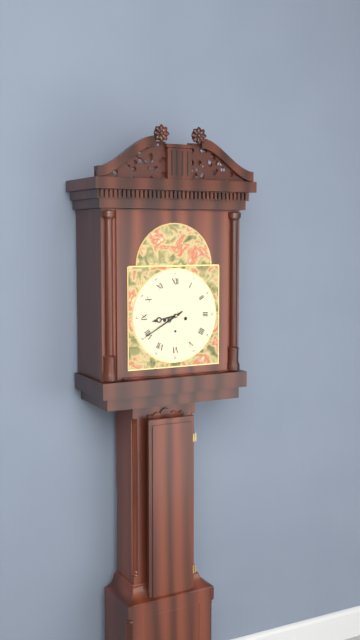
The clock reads 8:40
